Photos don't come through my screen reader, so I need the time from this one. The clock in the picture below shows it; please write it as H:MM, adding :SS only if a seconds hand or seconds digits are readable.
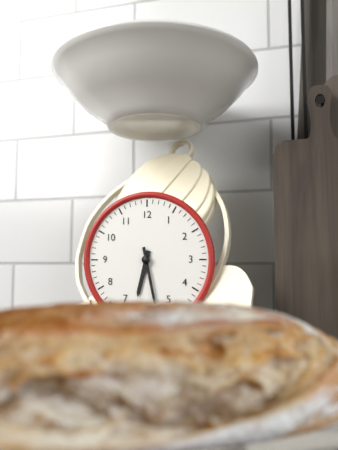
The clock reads 6:28
